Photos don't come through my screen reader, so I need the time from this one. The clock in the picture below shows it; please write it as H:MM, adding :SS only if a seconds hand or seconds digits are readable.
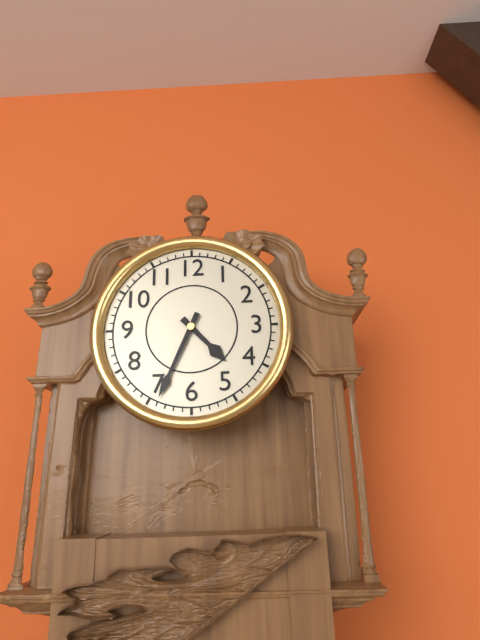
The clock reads 4:34
